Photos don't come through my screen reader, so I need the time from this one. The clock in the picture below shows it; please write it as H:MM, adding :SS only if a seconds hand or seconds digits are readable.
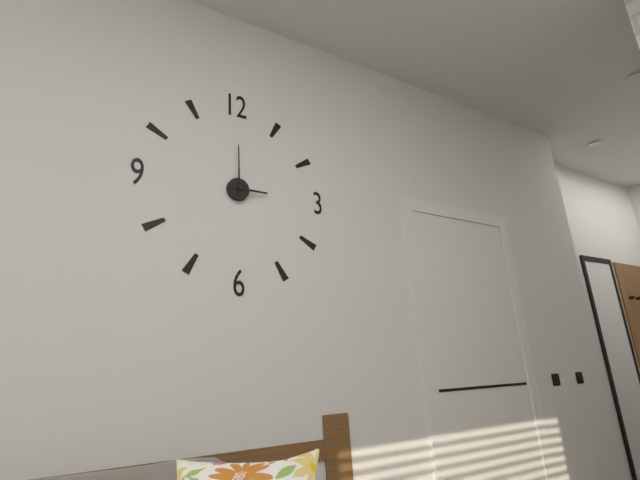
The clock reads 3:00
